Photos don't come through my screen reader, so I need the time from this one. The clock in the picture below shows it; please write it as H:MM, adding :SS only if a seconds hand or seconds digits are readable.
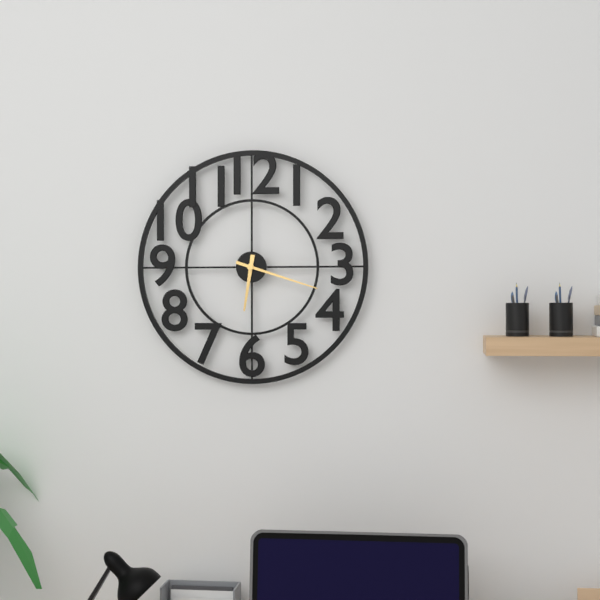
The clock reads 6:18
